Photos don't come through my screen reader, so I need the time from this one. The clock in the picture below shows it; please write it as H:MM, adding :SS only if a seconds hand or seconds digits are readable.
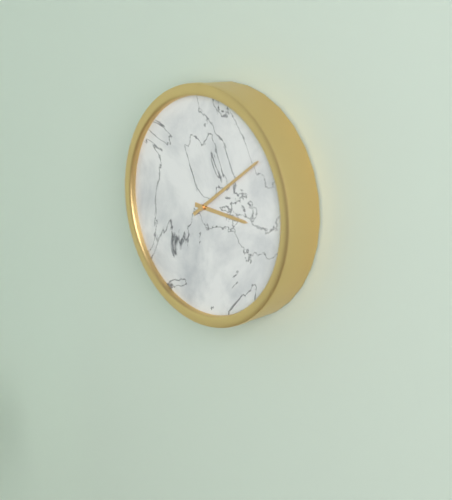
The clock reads 3:09
